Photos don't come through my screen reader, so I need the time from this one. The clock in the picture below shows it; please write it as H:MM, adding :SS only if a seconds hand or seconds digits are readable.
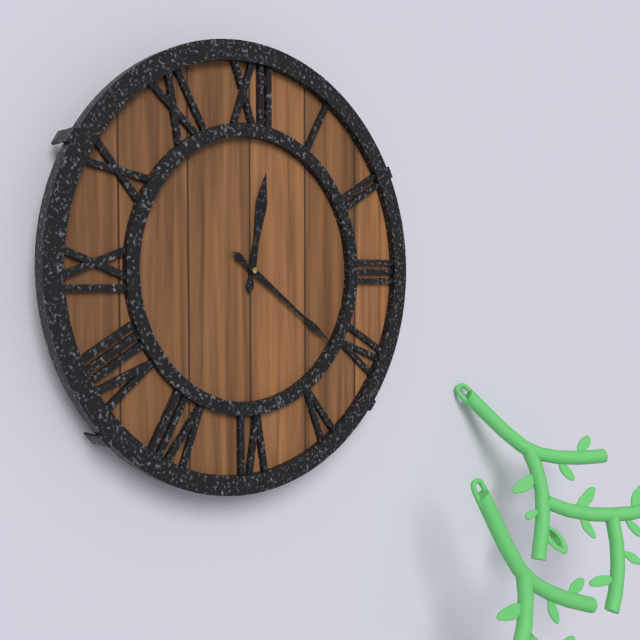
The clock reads 12:21
